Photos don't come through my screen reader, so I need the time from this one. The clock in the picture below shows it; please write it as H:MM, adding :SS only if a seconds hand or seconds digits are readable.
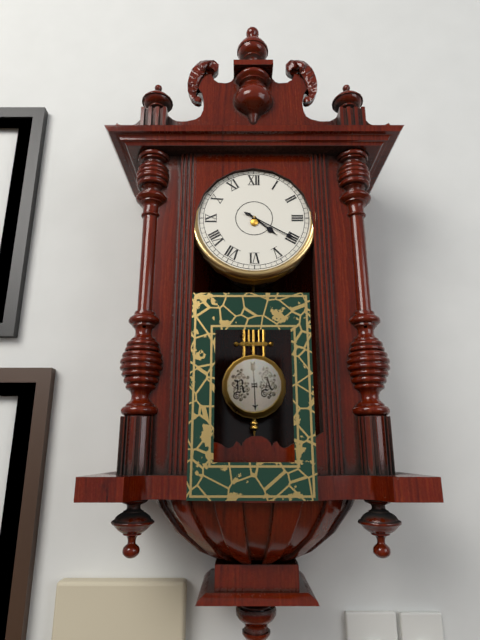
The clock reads 4:20
